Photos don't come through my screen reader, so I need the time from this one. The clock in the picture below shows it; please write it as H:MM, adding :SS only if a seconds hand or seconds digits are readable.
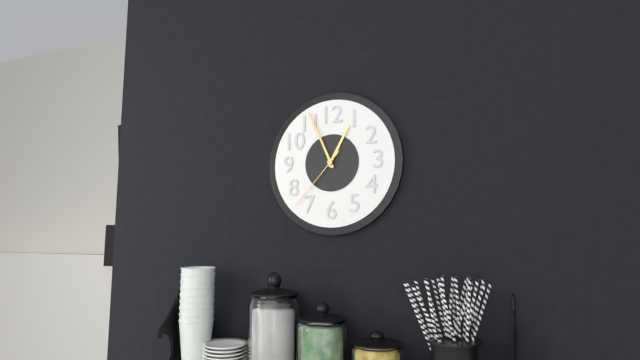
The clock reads 12:56:37
